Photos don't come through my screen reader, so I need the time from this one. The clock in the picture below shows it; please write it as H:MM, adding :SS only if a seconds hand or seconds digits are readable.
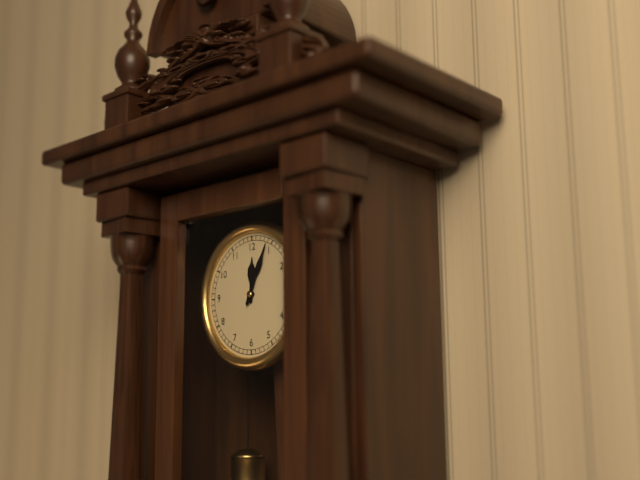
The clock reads 12:04
